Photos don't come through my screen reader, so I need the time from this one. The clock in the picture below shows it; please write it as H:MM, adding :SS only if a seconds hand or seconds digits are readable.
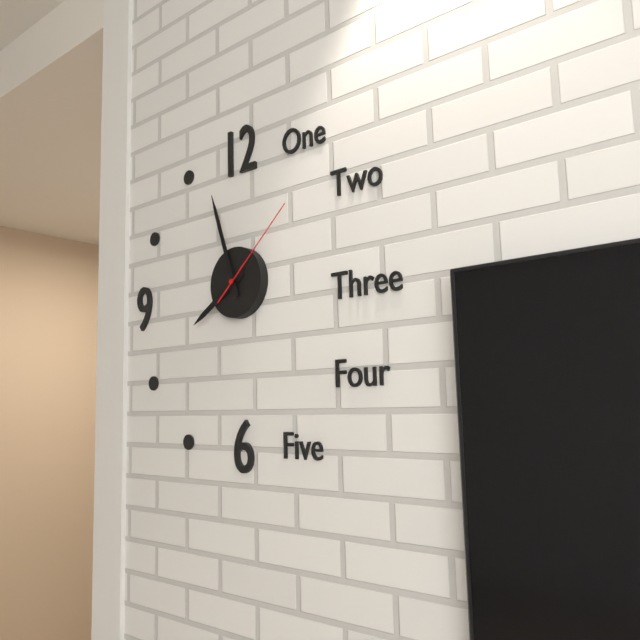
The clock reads 7:57:08
